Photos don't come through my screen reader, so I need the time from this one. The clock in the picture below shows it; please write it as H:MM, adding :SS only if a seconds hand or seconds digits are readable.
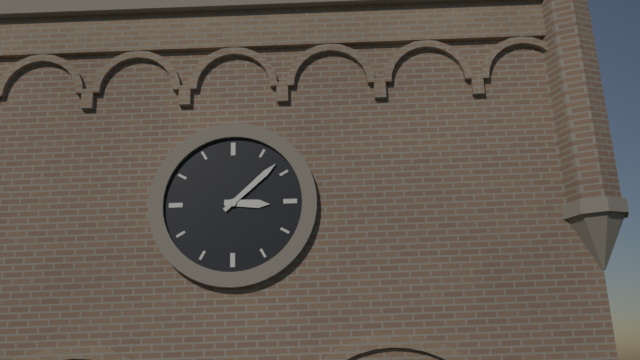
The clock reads 3:08
